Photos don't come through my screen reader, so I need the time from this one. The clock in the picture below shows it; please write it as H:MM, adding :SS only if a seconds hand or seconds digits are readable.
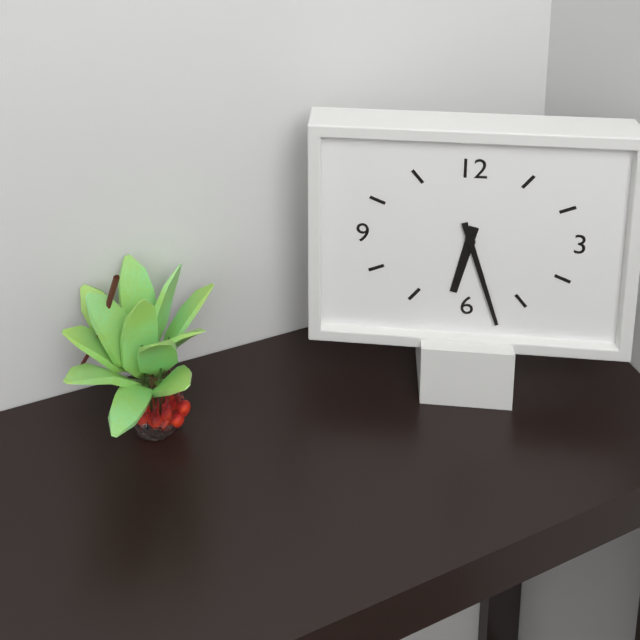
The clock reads 6:27
